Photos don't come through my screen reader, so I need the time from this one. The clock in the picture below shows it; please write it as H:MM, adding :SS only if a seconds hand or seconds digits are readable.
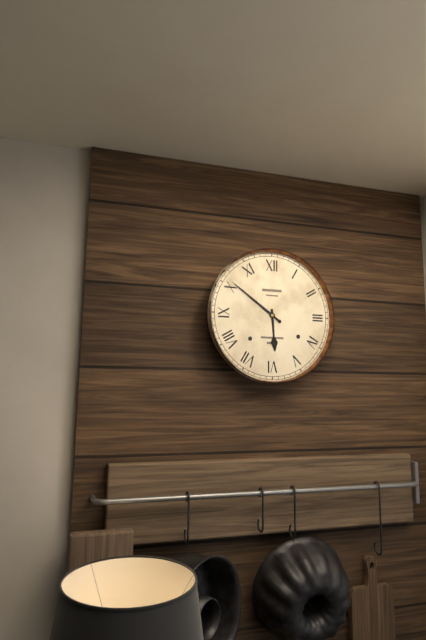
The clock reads 5:51
